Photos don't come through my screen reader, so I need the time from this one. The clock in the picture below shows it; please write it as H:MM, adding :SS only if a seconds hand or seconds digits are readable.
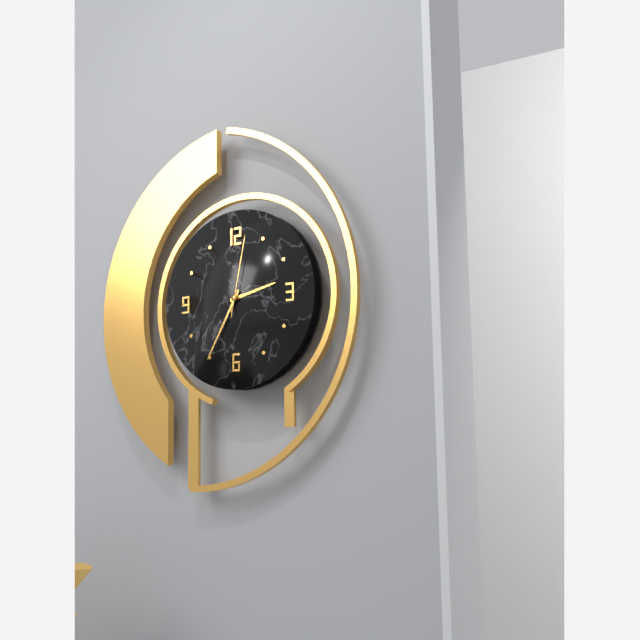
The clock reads 2:35:02
